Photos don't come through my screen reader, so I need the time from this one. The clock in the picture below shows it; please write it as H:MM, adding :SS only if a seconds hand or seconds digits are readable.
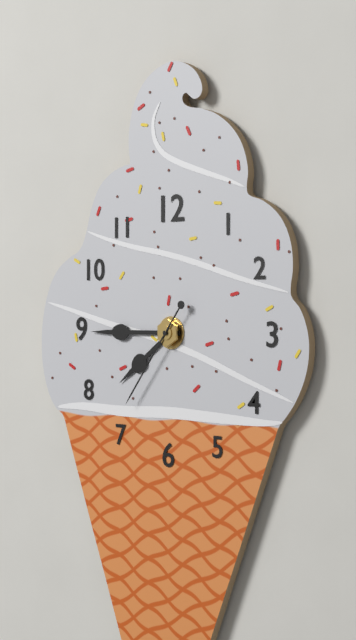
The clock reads 7:45:36
